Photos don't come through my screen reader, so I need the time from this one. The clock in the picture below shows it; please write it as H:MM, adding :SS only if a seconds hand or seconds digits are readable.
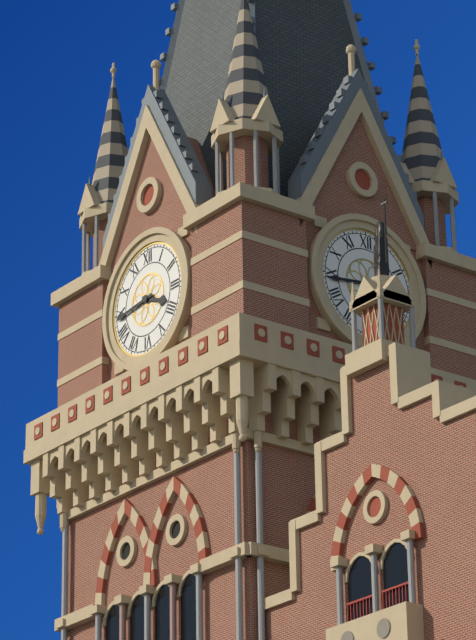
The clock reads 3:44
